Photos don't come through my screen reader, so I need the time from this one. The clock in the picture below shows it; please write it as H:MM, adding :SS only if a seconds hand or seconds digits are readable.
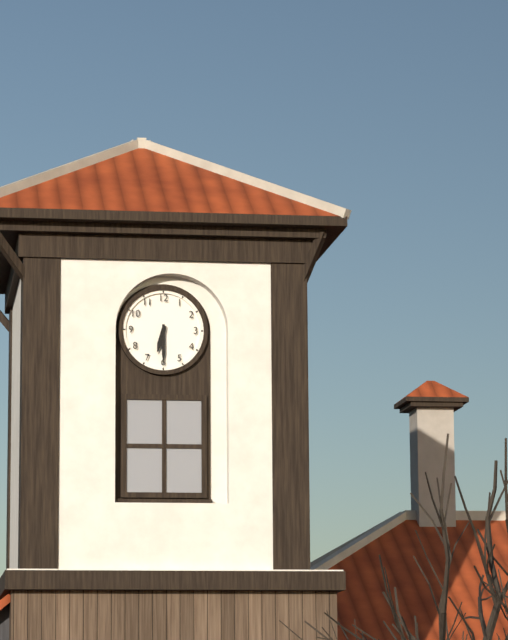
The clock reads 6:30
